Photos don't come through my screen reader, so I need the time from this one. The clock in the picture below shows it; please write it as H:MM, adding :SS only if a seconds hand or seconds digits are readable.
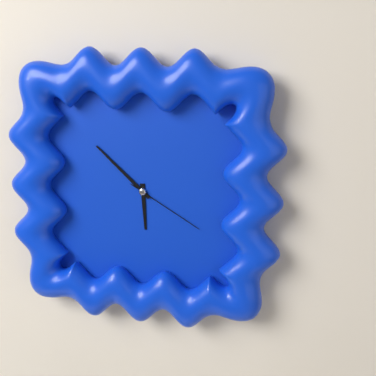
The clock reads 5:52:20
